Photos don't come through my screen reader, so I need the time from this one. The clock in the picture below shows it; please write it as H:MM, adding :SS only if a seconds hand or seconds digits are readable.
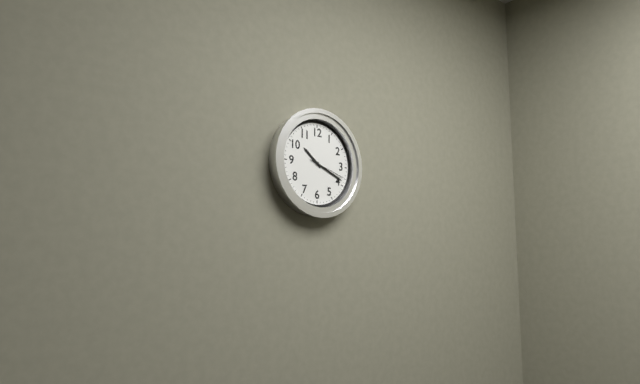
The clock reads 10:19
